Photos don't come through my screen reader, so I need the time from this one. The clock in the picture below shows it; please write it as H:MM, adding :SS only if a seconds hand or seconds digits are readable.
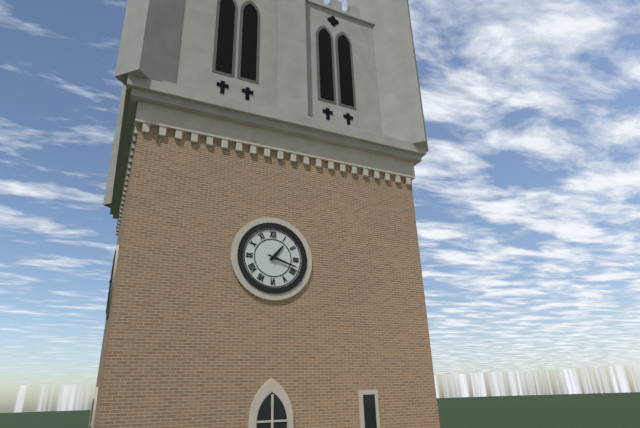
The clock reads 1:18
